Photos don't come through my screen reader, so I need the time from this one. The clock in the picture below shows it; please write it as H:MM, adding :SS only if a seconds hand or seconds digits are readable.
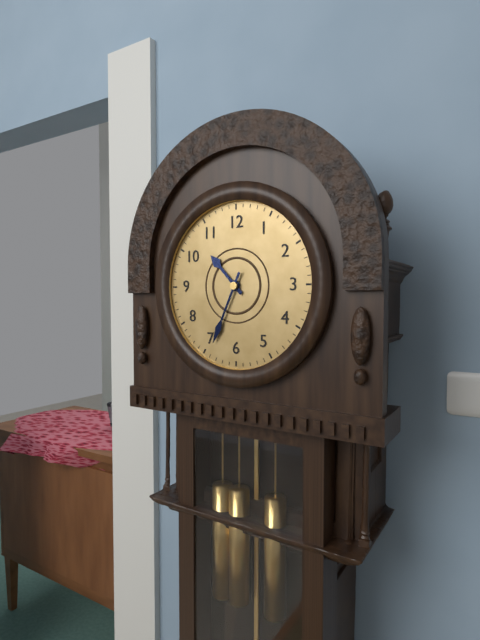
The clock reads 10:34
